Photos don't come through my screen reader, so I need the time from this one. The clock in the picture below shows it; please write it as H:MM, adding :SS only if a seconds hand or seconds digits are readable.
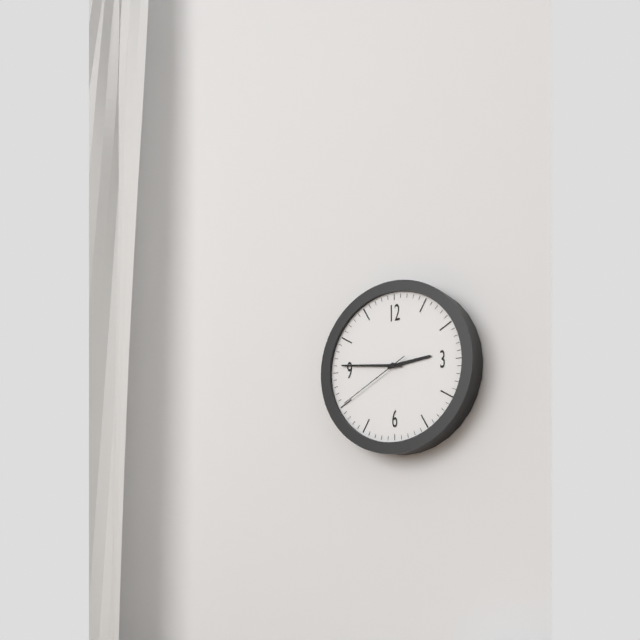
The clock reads 2:46:40
